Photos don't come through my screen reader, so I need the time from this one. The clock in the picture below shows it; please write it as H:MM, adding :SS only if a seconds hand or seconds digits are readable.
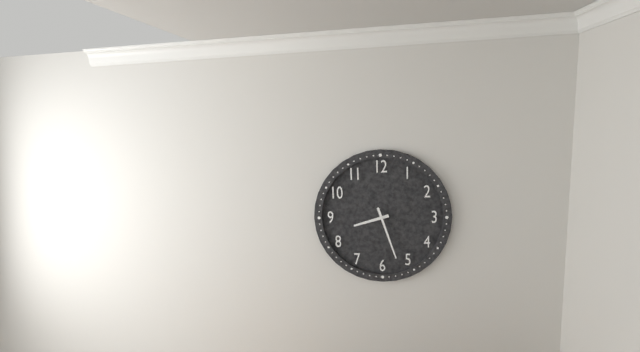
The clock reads 8:27
